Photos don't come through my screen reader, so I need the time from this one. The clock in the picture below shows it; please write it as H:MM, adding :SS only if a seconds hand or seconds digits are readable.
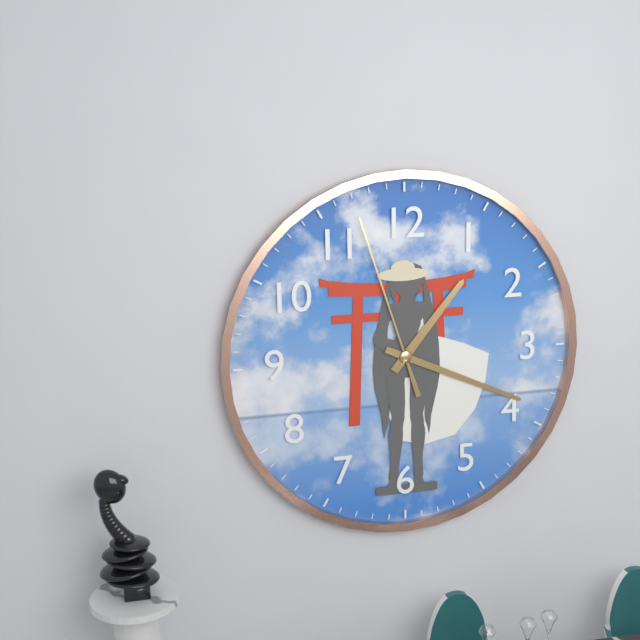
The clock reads 1:19:57
